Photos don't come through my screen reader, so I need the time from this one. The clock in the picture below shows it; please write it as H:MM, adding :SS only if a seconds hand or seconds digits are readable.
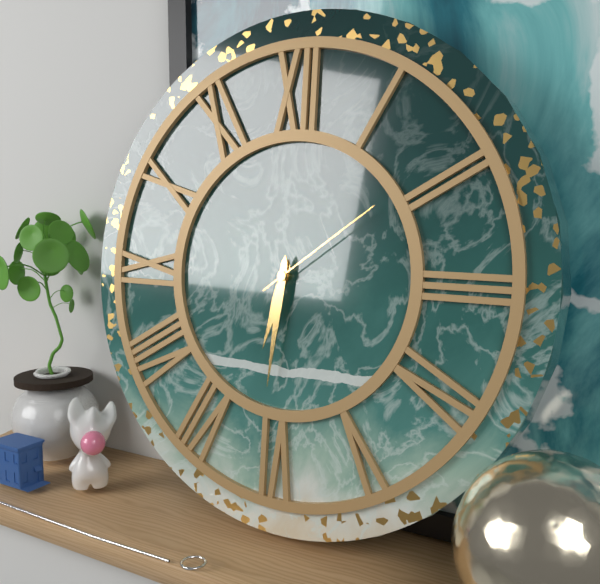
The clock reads 6:31:09
